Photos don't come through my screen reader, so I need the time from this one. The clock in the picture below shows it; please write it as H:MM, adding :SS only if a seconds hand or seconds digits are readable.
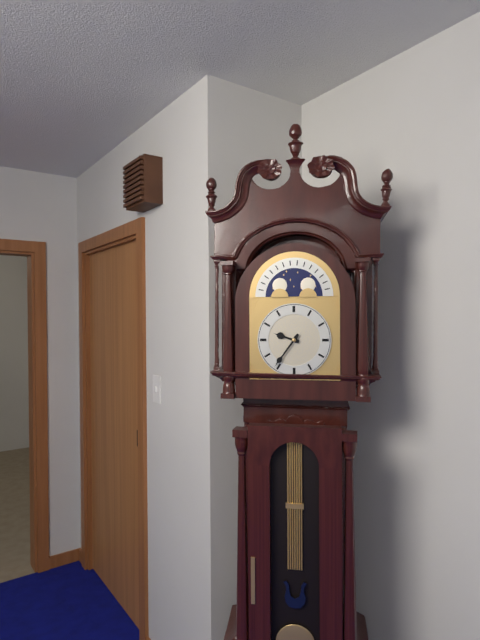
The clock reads 9:36
